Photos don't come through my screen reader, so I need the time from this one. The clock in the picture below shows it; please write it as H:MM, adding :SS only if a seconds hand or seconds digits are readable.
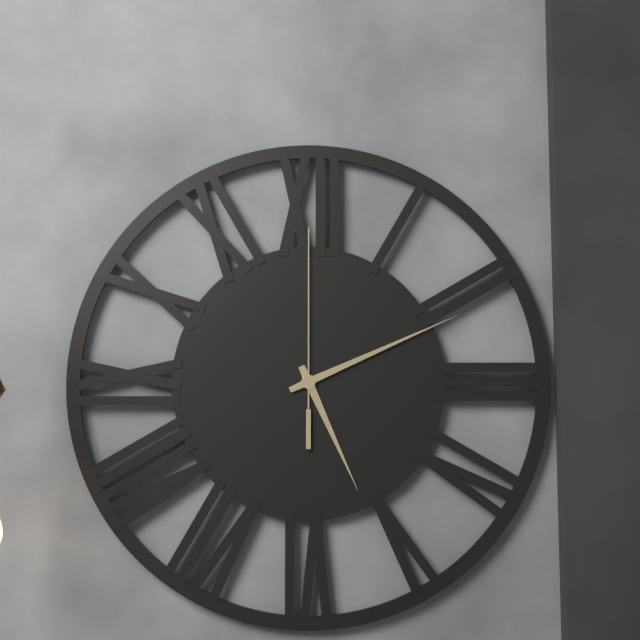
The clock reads 5:11:00
